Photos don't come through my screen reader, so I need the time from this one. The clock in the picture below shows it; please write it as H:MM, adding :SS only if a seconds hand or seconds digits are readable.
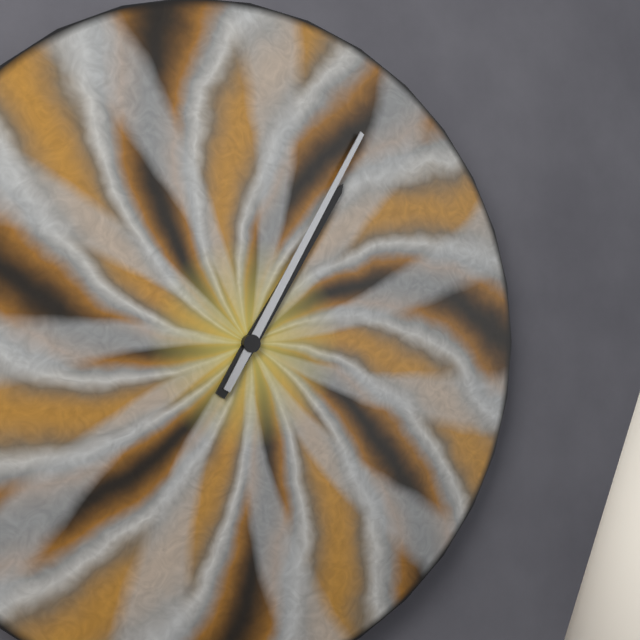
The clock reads 1:05
